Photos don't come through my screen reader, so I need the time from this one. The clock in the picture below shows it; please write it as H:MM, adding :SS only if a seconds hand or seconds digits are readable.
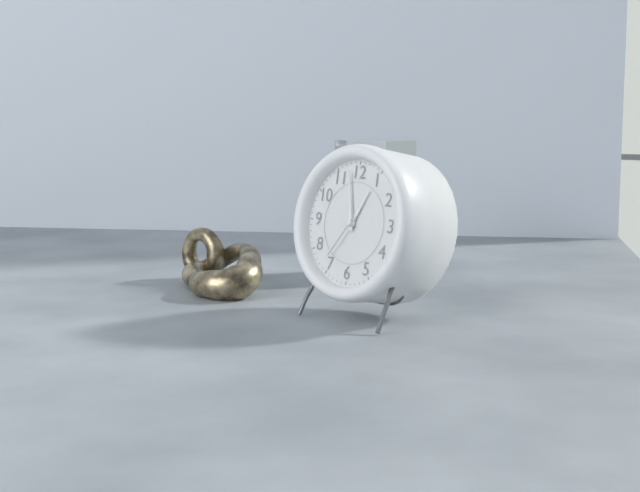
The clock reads 12:58
